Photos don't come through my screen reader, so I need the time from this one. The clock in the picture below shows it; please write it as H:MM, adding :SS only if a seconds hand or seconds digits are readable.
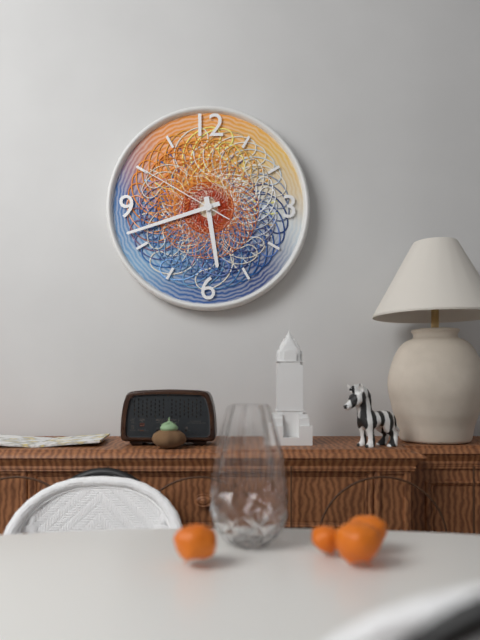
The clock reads 5:42:50
